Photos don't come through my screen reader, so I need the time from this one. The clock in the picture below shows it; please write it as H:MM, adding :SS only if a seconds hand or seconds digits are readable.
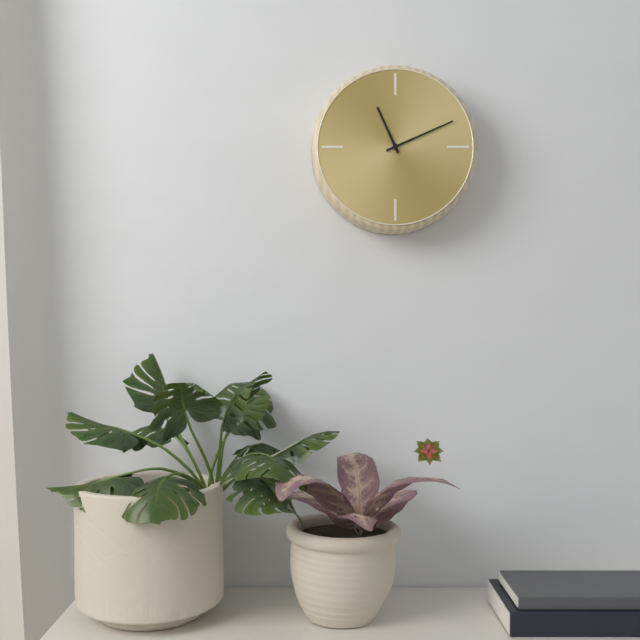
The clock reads 11:11
